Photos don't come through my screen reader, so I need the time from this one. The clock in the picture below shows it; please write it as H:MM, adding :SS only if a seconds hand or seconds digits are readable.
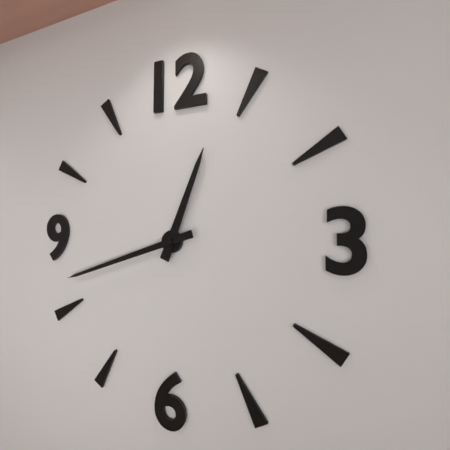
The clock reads 12:42
